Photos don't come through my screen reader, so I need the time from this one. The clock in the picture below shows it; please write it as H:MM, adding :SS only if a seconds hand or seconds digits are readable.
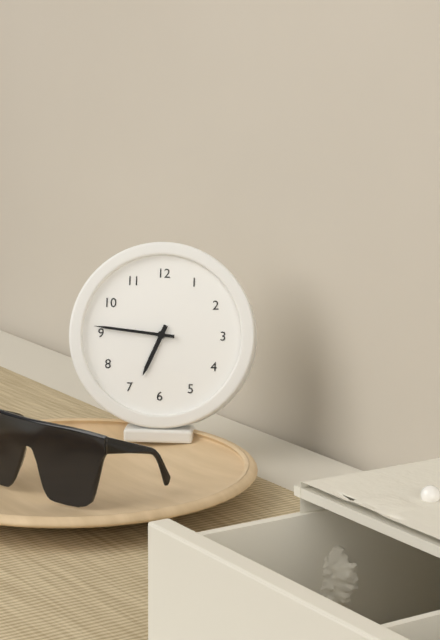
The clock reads 6:46
